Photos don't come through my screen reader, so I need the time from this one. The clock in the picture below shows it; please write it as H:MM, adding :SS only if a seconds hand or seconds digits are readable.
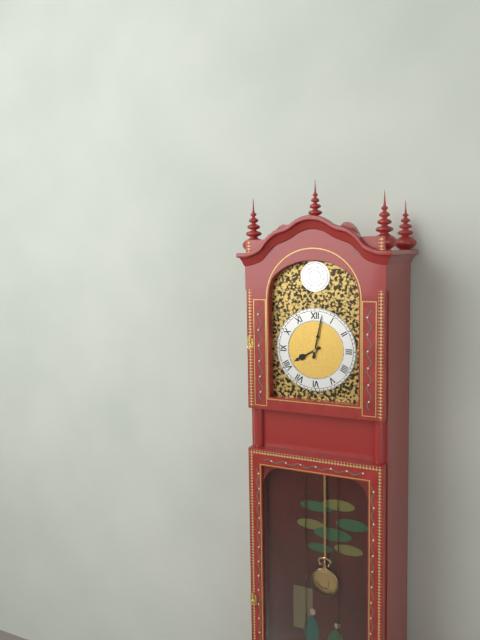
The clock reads 8:02
